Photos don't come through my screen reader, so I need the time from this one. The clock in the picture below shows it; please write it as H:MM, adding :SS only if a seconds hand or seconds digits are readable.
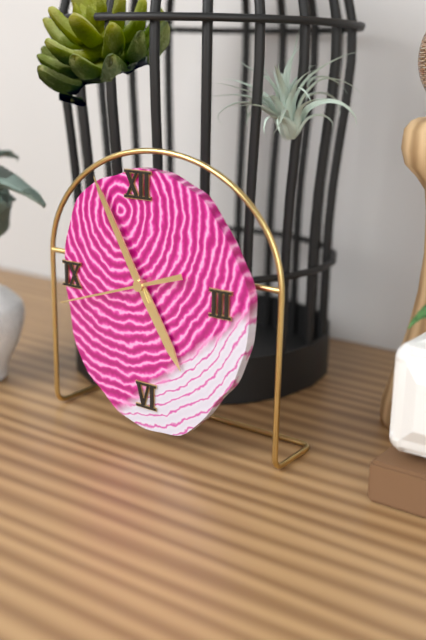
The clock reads 4:55:42
